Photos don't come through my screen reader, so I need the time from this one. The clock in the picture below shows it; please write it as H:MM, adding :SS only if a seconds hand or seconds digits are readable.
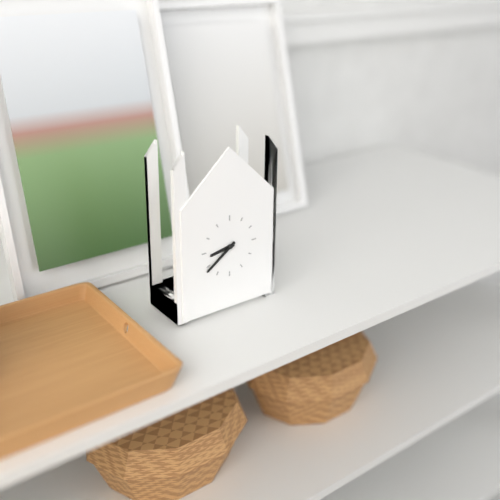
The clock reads 8:39
